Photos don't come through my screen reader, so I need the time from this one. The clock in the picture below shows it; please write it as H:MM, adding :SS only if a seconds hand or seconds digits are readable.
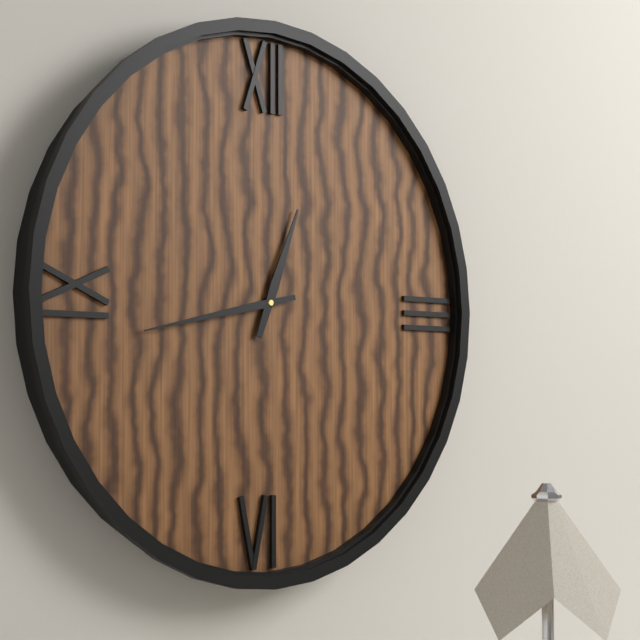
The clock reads 12:43
